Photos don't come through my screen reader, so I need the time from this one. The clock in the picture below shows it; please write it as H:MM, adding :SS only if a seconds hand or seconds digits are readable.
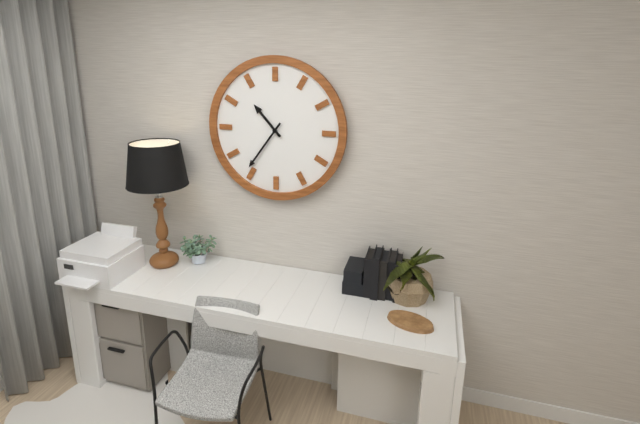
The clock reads 10:36
